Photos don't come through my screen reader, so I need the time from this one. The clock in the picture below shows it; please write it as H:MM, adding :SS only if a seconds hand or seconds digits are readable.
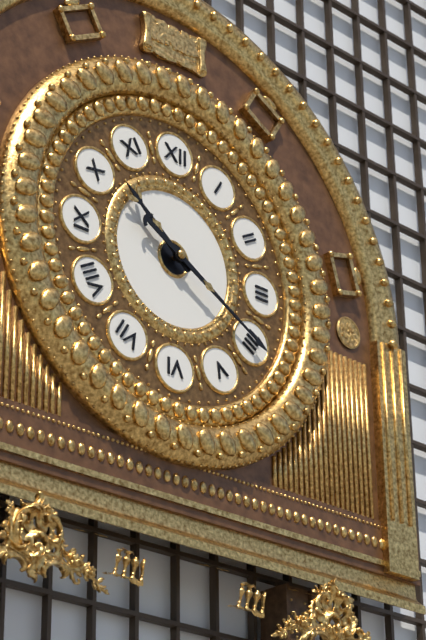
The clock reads 10:20
